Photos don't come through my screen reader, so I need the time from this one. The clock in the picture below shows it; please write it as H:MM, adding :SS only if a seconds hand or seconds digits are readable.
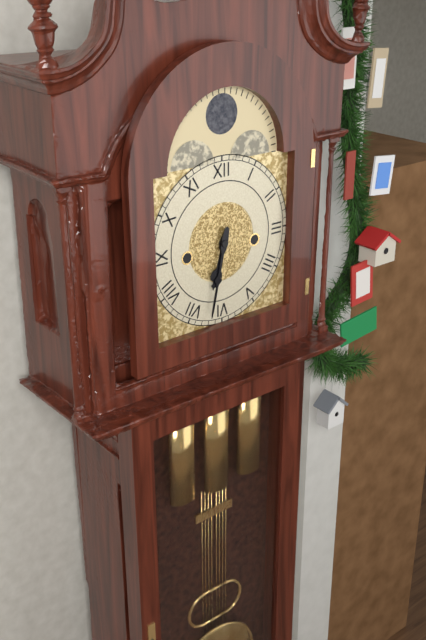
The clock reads 6:32
